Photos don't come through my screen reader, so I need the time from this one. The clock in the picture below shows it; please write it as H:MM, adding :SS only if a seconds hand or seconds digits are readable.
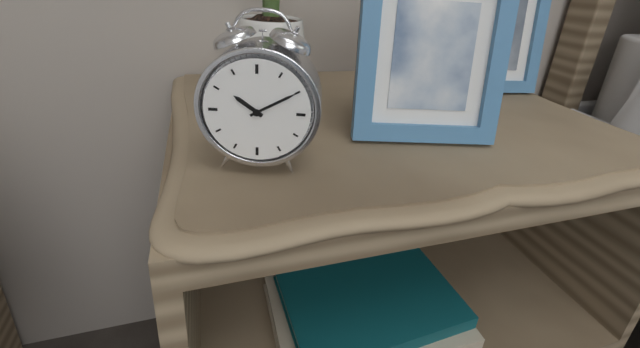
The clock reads 10:10
